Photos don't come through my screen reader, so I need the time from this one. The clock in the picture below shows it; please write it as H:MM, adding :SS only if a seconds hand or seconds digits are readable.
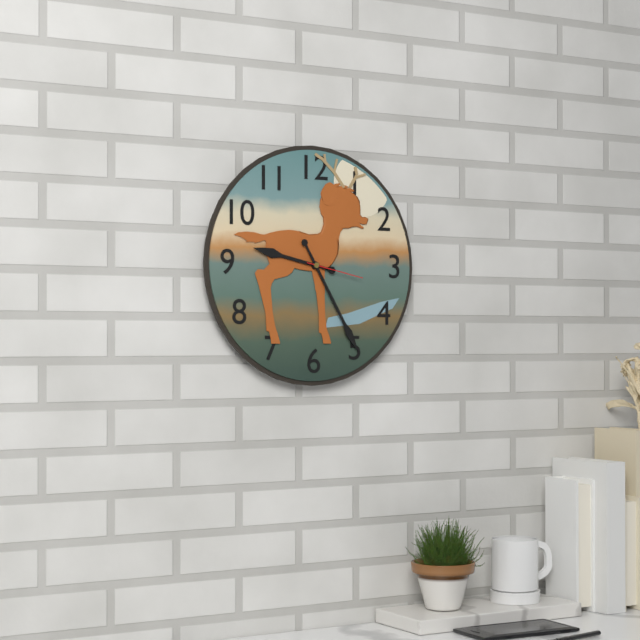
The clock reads 9:25:17
